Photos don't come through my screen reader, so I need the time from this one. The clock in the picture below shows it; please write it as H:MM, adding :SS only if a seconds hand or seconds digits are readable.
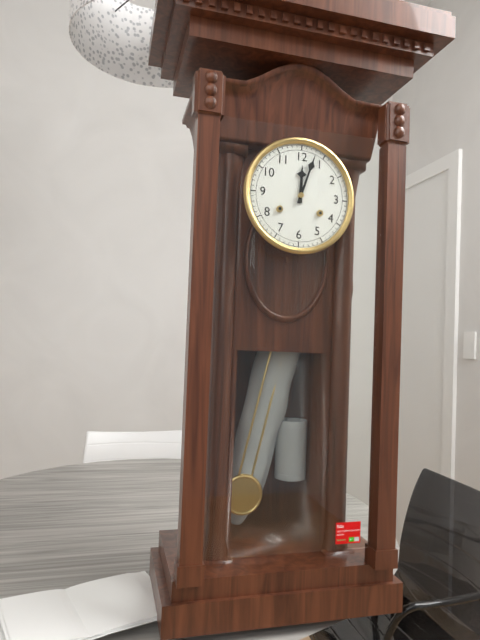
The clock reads 12:03
